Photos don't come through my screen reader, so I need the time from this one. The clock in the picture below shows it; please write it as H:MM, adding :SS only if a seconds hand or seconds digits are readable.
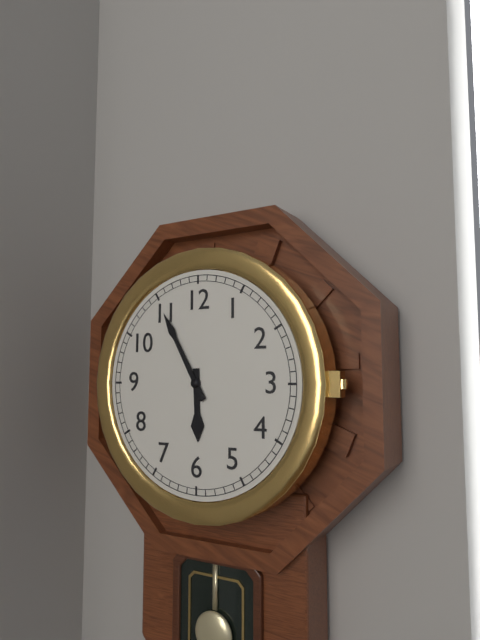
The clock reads 5:55
